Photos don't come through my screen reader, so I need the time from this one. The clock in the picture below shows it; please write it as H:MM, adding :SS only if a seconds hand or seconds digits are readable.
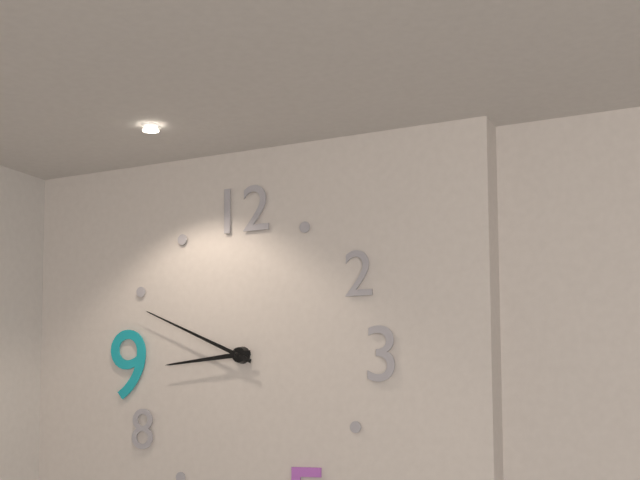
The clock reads 8:49
